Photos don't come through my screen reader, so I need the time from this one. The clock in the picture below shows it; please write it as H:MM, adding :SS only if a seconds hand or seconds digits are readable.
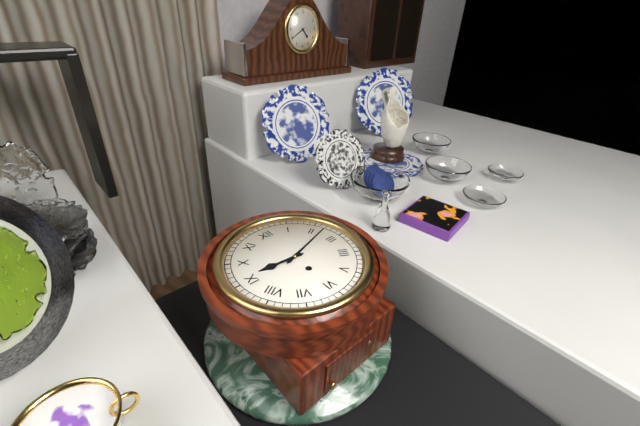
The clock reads 9:12
